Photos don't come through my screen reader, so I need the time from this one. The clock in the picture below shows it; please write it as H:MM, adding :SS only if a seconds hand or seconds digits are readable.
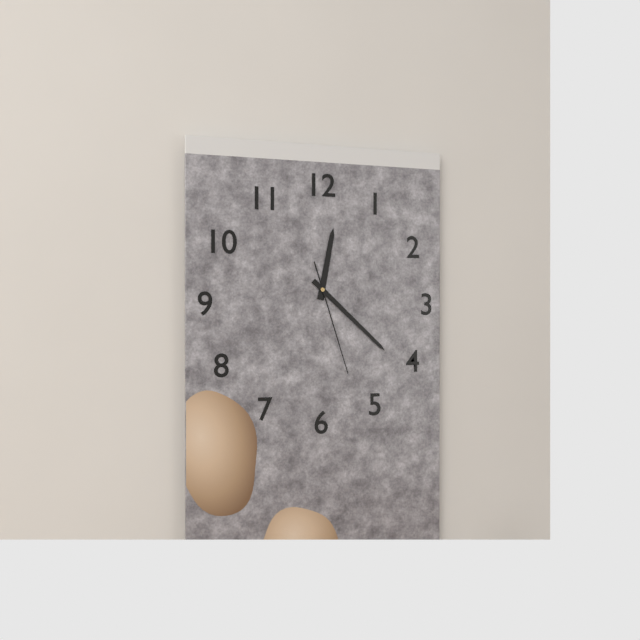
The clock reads 12:22:27
